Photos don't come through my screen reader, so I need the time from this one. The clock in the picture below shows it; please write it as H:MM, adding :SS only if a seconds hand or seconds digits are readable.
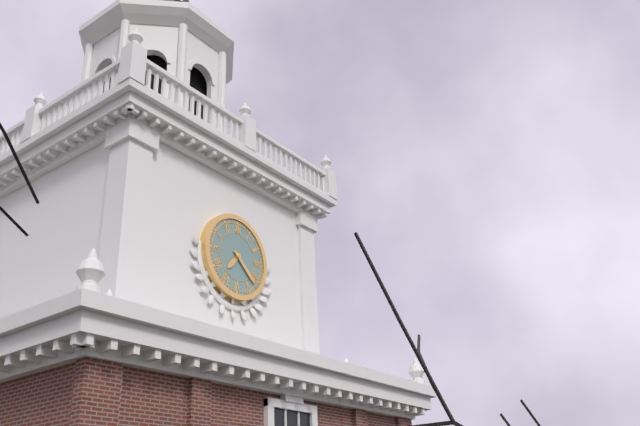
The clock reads 7:22
